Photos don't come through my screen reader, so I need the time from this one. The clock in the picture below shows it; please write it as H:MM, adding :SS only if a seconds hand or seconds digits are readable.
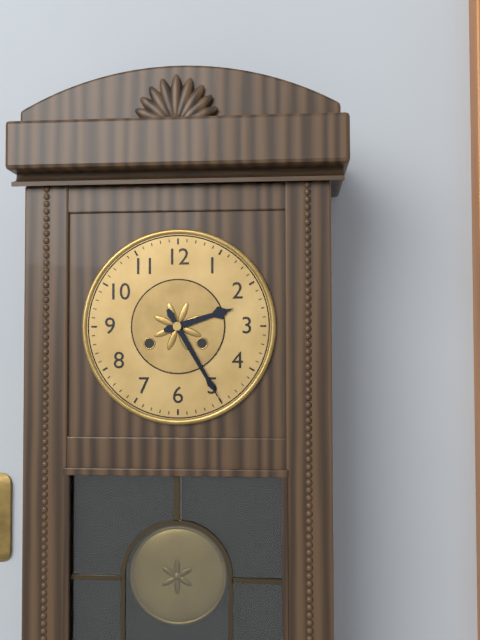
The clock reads 2:25
